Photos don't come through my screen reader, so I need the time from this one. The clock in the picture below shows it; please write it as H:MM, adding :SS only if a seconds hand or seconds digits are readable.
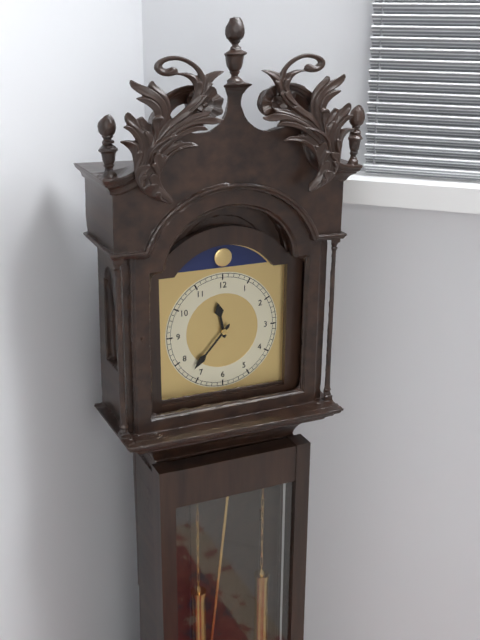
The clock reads 11:37
